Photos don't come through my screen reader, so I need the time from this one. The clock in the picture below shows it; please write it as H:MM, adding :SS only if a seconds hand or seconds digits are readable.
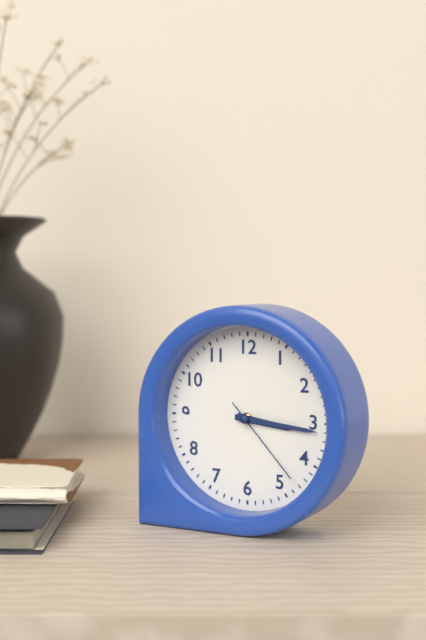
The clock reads 3:16:23
